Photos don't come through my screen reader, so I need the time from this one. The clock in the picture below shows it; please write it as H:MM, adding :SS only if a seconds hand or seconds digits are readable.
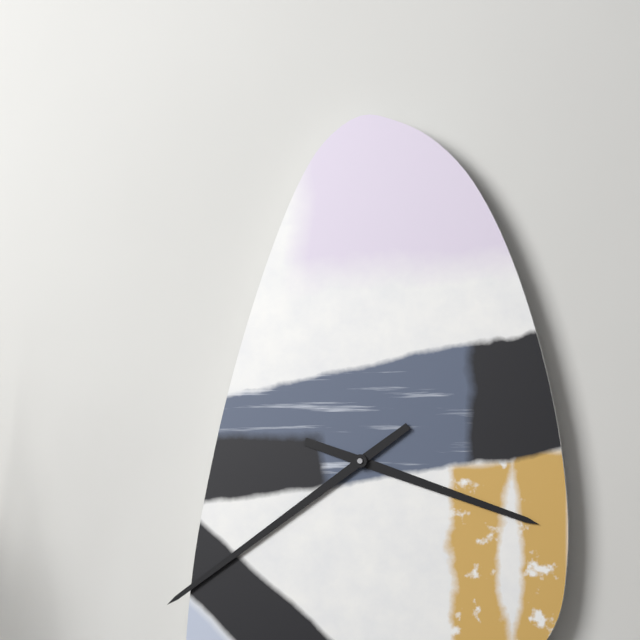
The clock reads 3:39
